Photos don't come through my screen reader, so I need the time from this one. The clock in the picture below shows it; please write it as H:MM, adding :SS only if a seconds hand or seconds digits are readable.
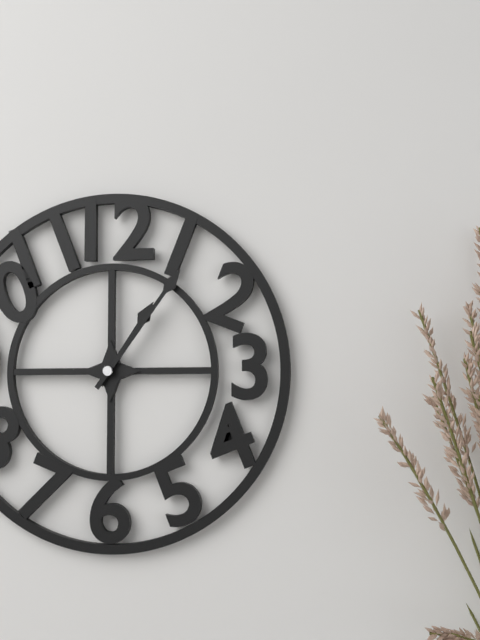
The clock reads 1:06
